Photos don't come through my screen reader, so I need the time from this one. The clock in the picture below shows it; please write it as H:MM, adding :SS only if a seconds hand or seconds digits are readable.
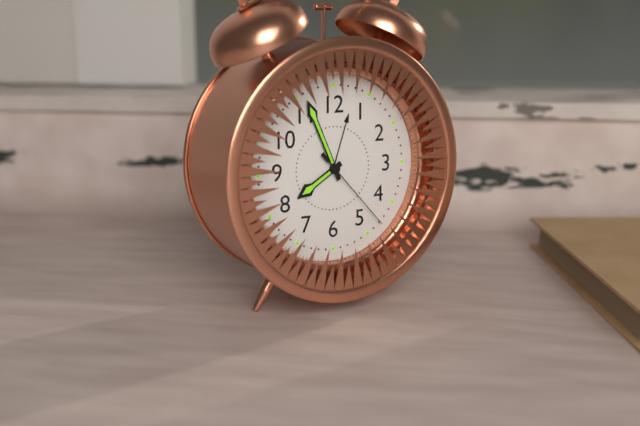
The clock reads 7:56:23
